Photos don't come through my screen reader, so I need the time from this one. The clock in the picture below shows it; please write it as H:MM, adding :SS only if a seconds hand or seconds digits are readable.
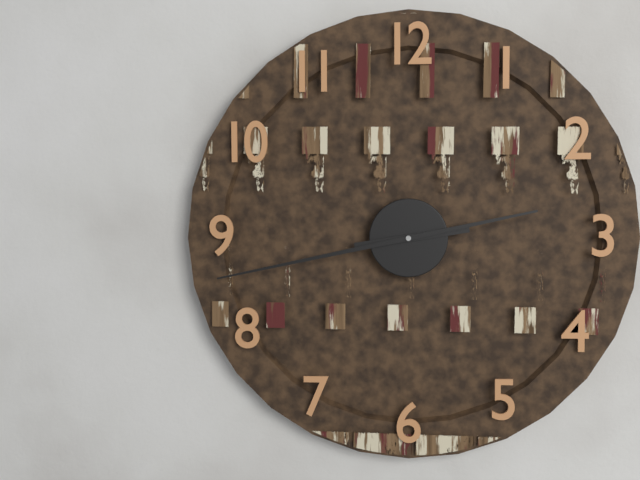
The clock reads 2:43
